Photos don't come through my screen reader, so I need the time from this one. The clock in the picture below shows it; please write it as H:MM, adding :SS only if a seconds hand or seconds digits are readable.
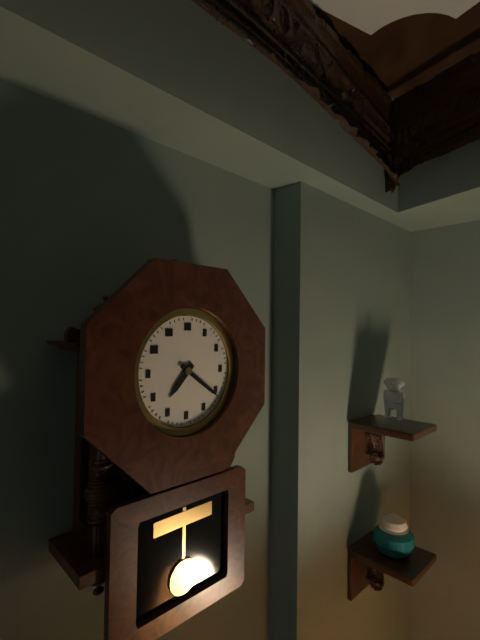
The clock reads 7:21
